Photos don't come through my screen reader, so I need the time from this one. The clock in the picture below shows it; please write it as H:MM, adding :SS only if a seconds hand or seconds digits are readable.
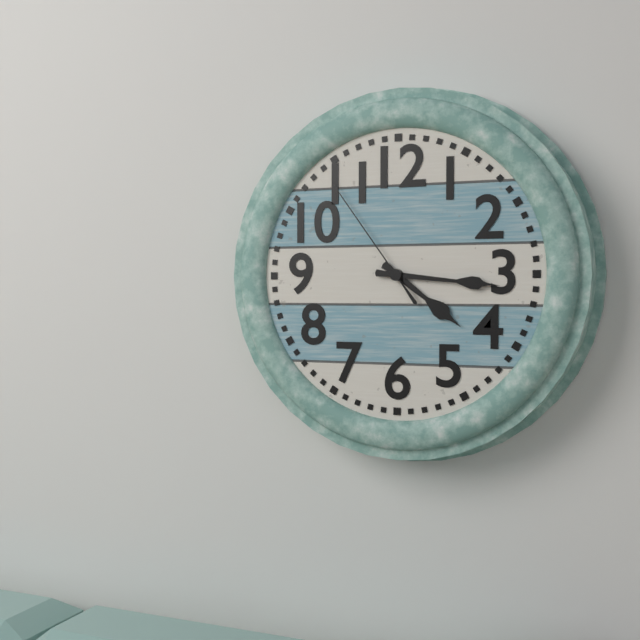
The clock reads 4:16:54
